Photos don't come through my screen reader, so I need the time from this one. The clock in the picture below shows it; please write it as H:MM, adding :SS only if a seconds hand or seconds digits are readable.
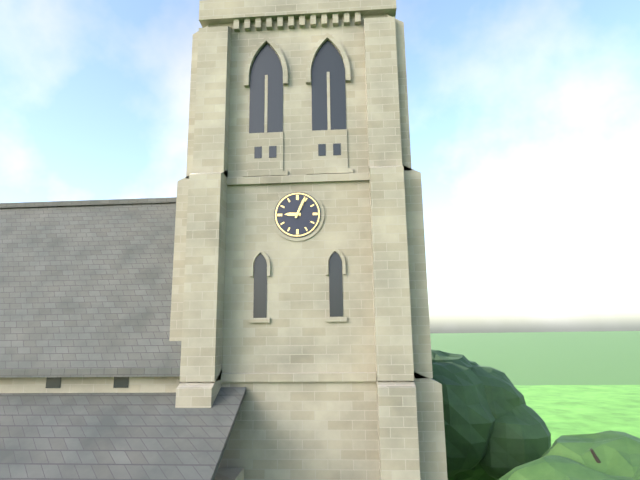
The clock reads 9:04
